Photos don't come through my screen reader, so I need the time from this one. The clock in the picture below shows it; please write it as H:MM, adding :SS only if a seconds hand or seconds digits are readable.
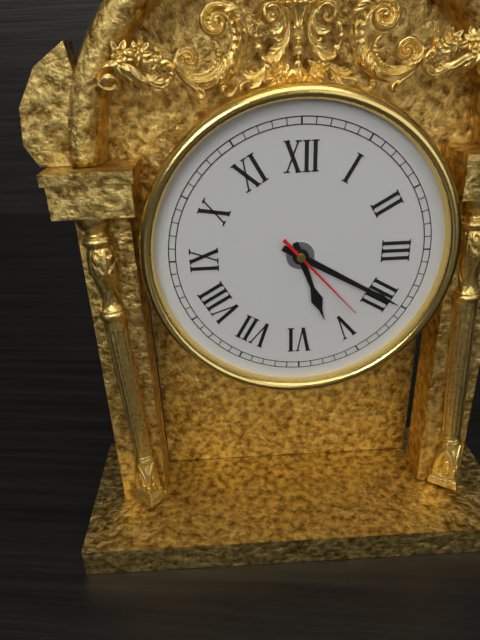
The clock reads 5:20:23
